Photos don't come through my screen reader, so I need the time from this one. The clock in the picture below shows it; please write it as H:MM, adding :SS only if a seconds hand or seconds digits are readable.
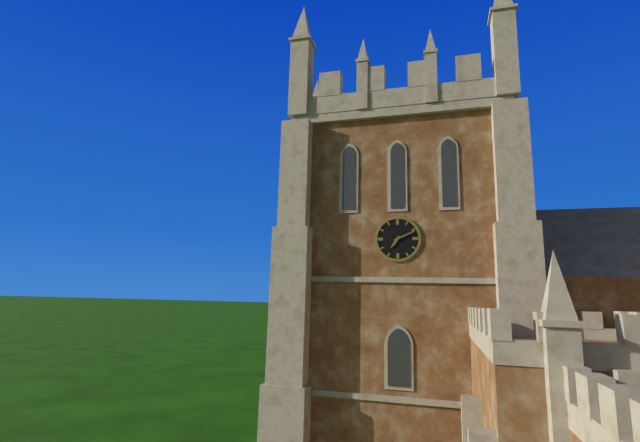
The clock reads 7:11
